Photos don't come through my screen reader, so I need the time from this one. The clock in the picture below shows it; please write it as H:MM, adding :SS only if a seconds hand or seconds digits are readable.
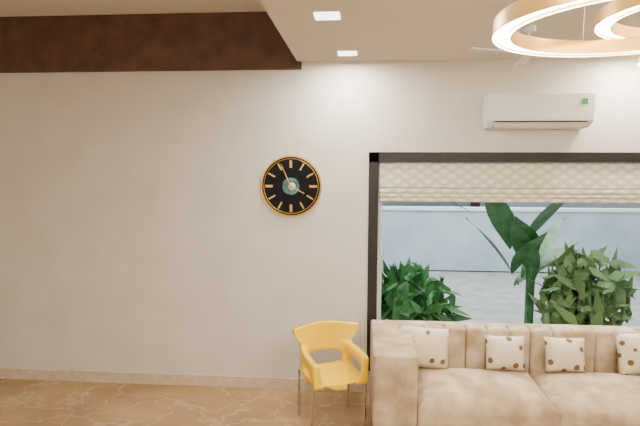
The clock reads 3:56
